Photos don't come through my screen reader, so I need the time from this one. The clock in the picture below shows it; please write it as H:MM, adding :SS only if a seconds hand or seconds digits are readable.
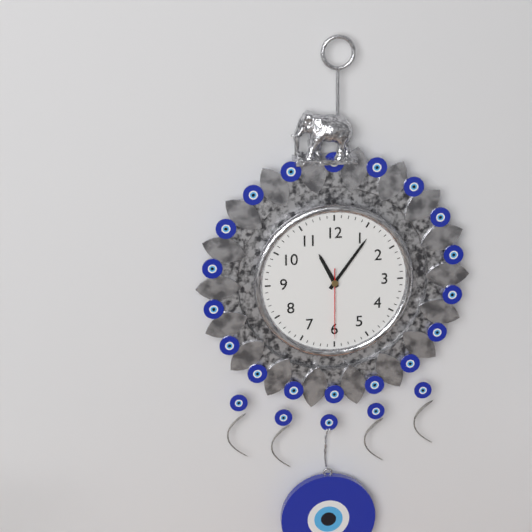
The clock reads 11:06:30
